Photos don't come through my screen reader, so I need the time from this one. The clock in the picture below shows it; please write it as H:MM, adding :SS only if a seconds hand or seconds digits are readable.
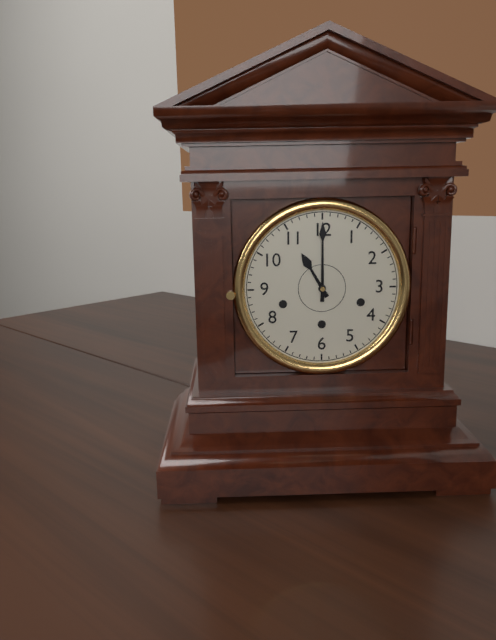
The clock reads 11:00
